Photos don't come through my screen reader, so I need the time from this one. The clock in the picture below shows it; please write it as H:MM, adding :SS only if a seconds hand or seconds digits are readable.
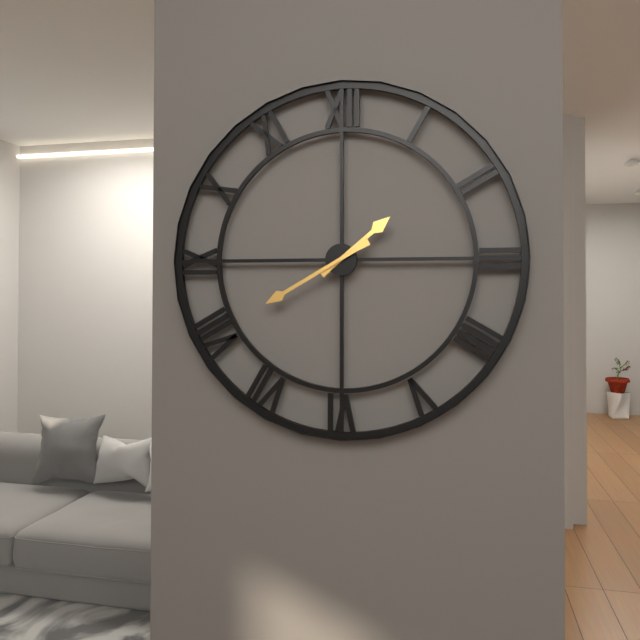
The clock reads 1:40
